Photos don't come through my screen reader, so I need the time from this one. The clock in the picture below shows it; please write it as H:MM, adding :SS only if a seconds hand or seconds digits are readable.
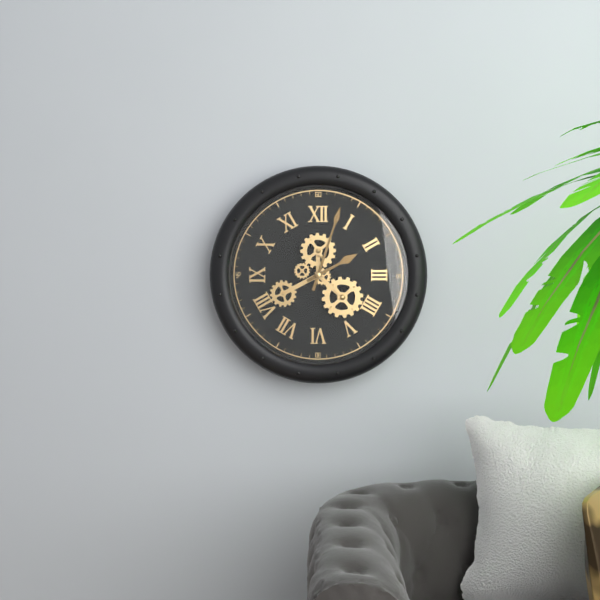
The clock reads 2:03
